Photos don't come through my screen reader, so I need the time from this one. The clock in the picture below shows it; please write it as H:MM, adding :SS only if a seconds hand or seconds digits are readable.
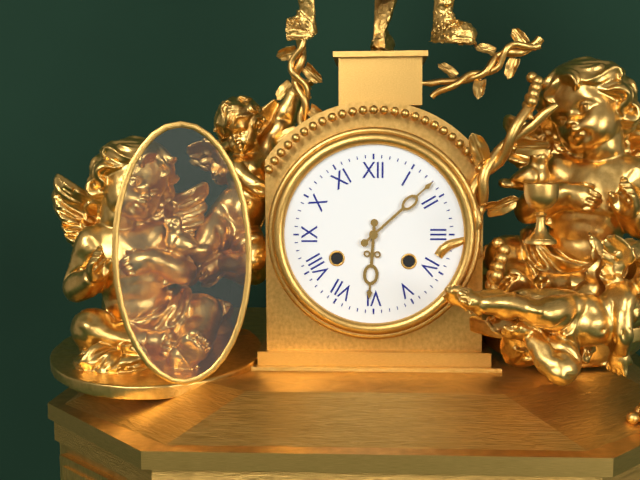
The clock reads 6:08
